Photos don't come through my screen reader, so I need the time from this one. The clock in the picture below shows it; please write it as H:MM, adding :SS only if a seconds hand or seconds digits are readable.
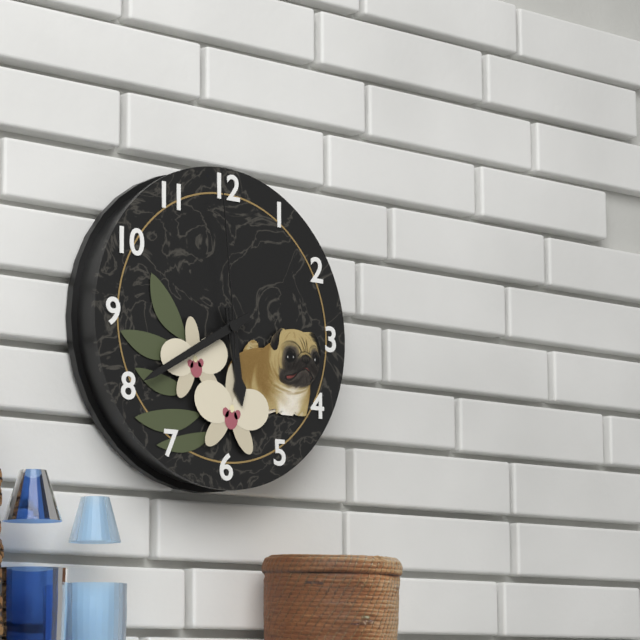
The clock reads 5:40:59
